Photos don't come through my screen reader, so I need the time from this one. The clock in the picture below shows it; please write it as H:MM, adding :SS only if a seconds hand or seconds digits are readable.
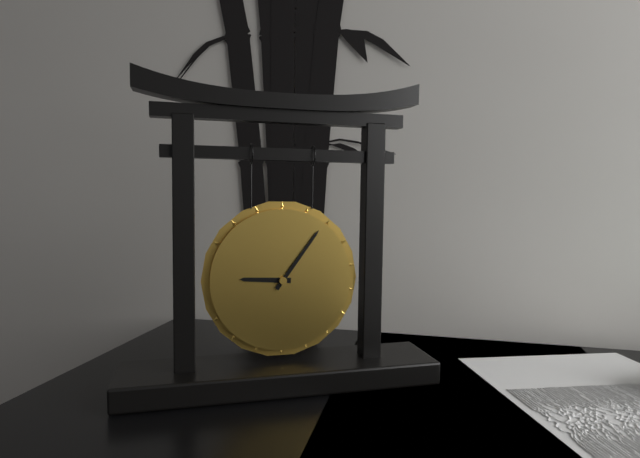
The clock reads 9:06
